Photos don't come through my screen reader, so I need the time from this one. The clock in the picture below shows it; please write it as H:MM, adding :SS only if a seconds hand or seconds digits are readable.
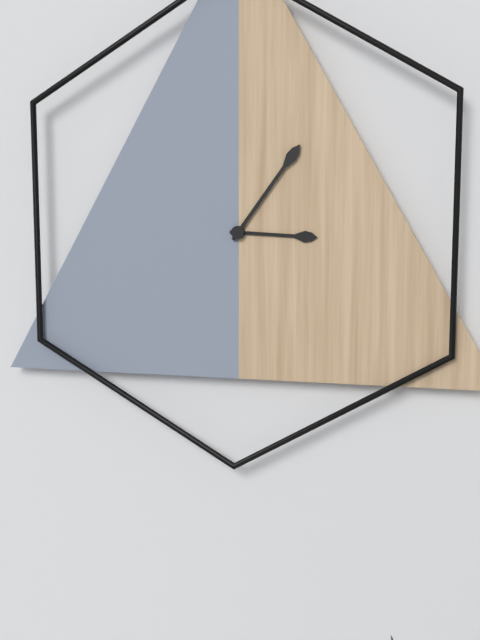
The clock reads 3:06
